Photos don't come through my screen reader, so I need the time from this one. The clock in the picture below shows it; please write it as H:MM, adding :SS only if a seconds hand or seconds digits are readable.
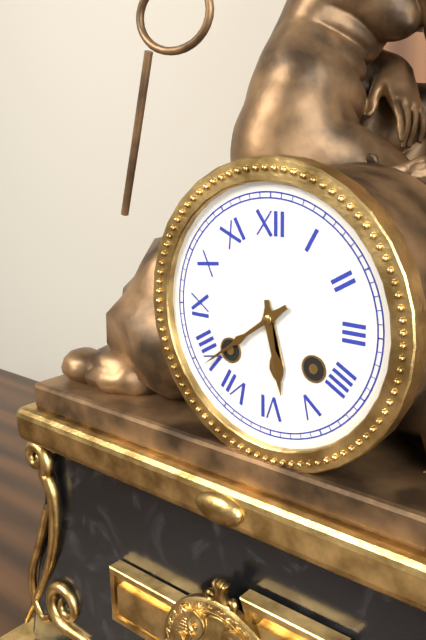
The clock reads 5:39
